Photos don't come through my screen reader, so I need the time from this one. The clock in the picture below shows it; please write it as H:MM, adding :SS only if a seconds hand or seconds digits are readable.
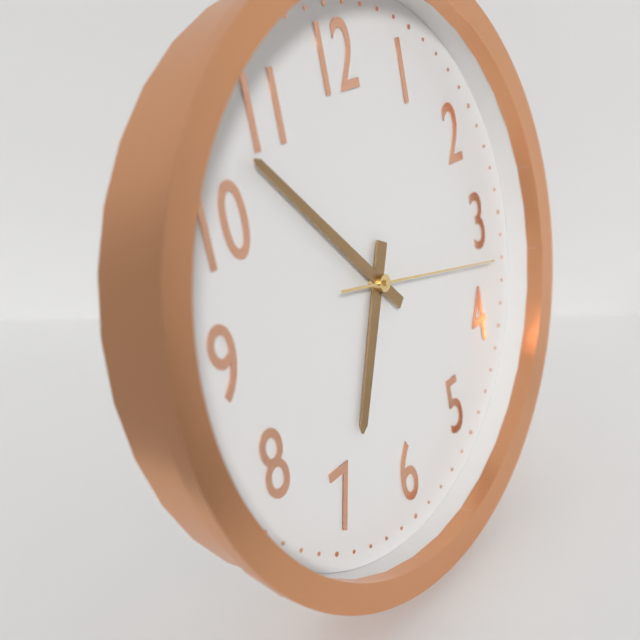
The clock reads 6:53:17
